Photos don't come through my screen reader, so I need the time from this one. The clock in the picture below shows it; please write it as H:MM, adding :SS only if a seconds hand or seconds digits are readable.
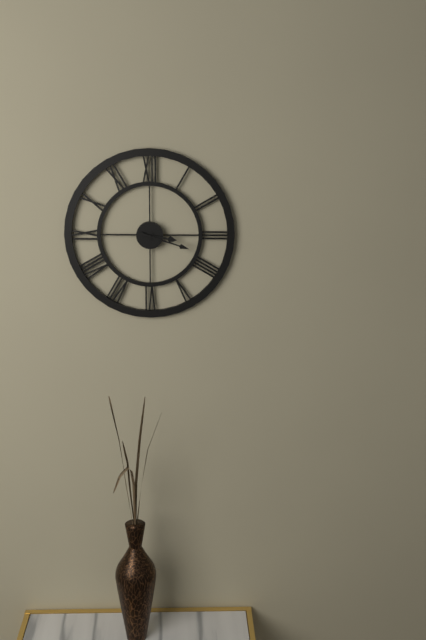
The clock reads 3:18
